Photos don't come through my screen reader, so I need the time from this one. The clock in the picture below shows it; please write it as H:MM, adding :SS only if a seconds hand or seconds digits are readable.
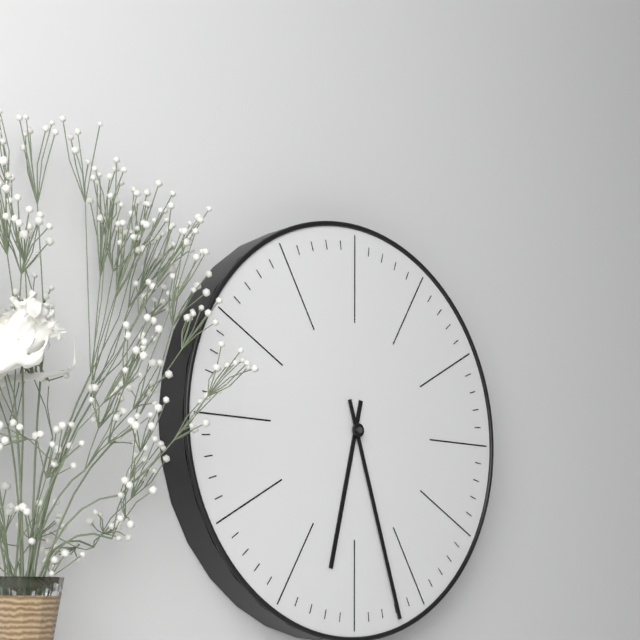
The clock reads 6:27
